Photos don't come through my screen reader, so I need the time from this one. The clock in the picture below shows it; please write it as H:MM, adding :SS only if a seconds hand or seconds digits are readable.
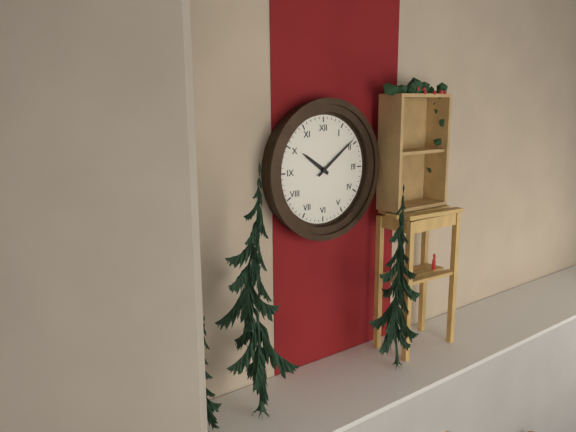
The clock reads 10:09
